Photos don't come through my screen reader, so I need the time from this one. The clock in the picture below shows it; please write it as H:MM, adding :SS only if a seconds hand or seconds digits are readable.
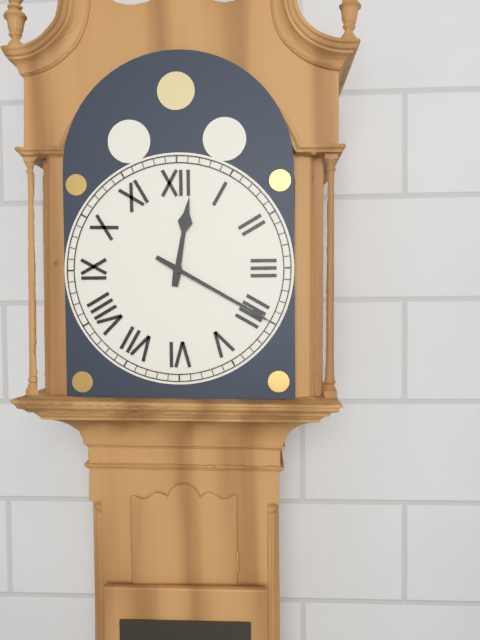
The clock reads 12:20
